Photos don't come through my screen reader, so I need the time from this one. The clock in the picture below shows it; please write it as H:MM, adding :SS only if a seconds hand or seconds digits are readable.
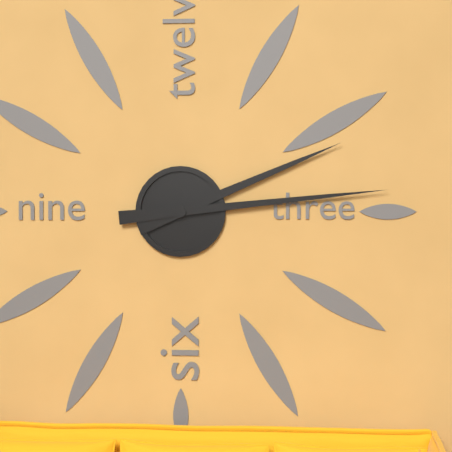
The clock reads 2:14
